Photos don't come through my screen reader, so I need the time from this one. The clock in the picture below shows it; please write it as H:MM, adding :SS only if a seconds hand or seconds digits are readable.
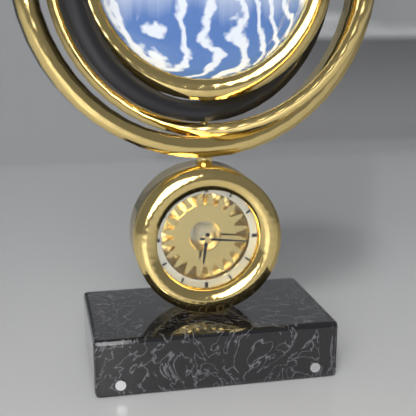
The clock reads 6:16
